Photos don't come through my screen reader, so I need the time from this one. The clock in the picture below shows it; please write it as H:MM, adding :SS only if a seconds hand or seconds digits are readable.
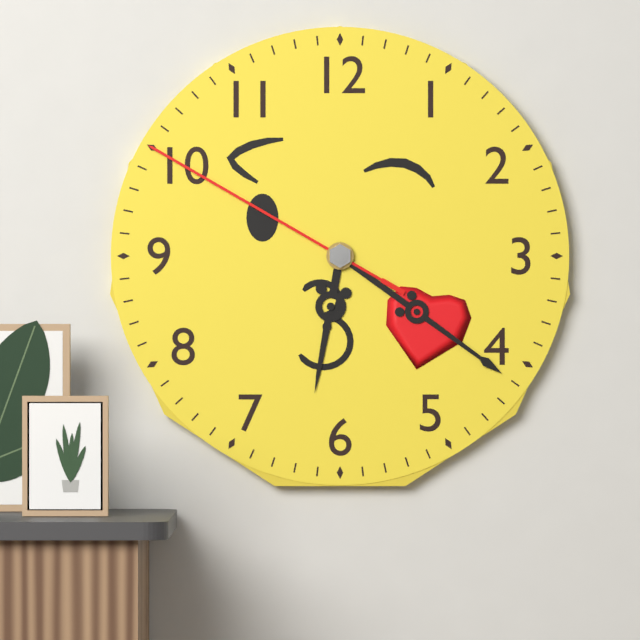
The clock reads 6:21:50
